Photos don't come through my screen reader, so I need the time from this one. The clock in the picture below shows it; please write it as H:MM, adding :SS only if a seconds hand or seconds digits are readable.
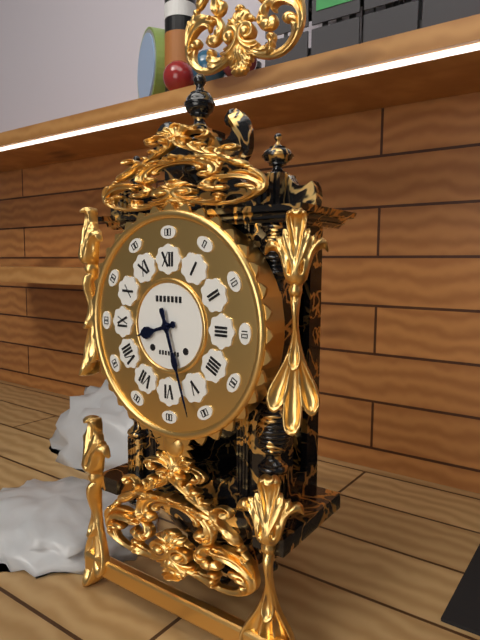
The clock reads 8:27
